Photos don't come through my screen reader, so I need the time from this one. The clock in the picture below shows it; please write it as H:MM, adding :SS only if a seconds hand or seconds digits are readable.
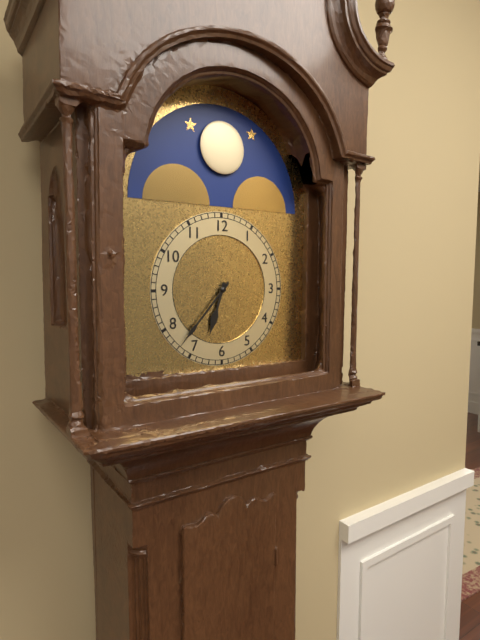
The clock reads 6:37
